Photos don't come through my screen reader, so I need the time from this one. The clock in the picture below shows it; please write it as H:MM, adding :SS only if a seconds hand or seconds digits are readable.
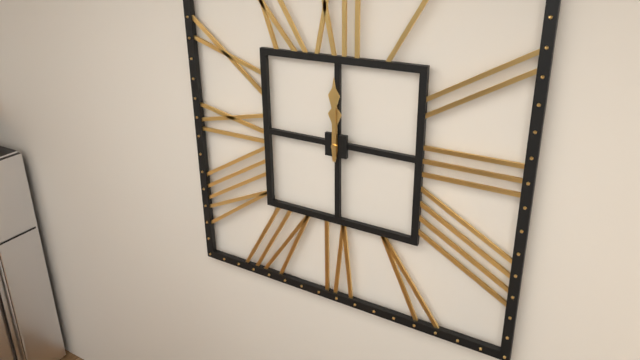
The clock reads 12:00
